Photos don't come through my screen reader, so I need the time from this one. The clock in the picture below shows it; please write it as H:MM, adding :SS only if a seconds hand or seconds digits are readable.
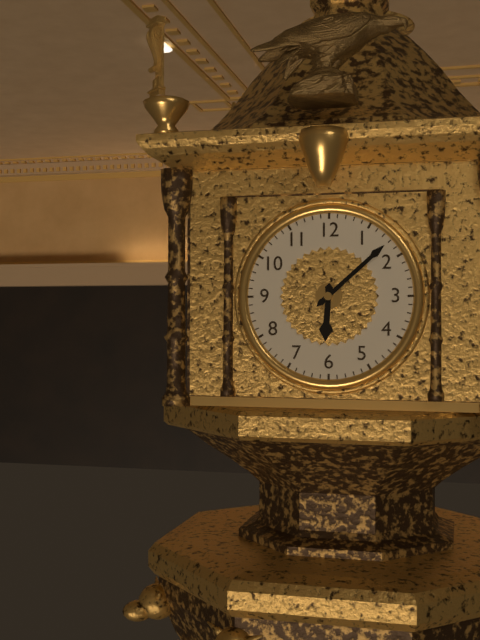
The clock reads 6:08
